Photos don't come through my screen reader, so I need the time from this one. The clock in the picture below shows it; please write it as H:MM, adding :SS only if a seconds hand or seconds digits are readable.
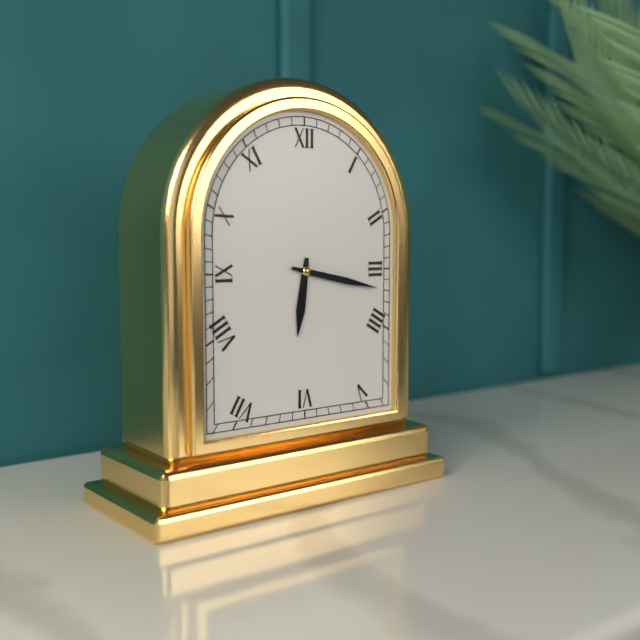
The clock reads 6:17
